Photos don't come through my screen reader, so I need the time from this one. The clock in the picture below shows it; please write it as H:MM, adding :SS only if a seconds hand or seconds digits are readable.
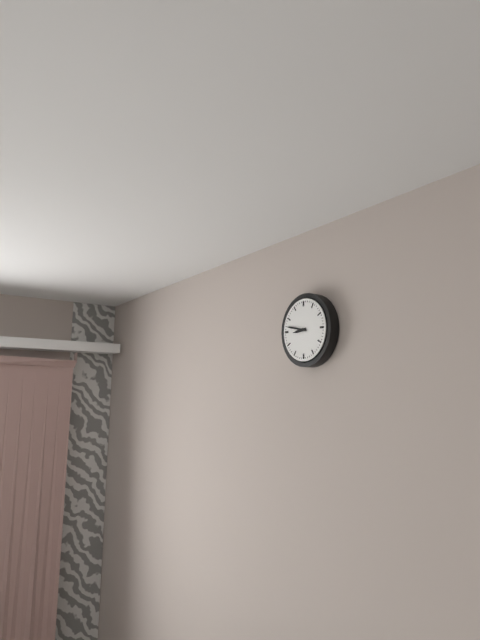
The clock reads 8:47
